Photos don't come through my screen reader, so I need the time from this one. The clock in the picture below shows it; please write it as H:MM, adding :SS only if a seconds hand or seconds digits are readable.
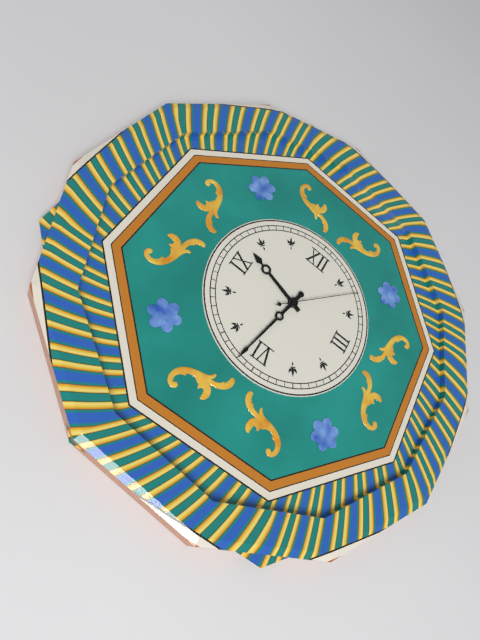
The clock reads 9:32:07
